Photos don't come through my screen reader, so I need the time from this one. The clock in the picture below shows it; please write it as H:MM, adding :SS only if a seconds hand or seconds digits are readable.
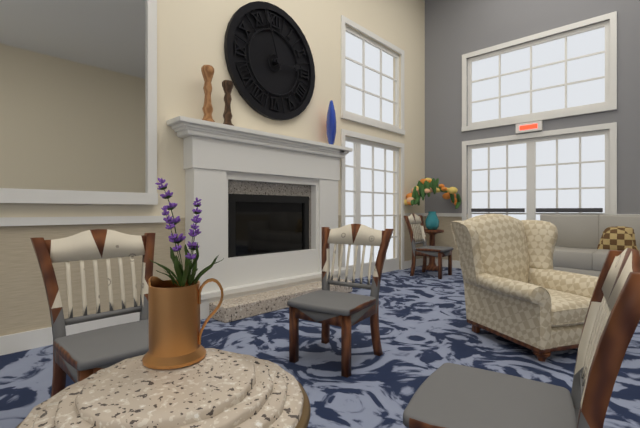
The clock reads 2:57
